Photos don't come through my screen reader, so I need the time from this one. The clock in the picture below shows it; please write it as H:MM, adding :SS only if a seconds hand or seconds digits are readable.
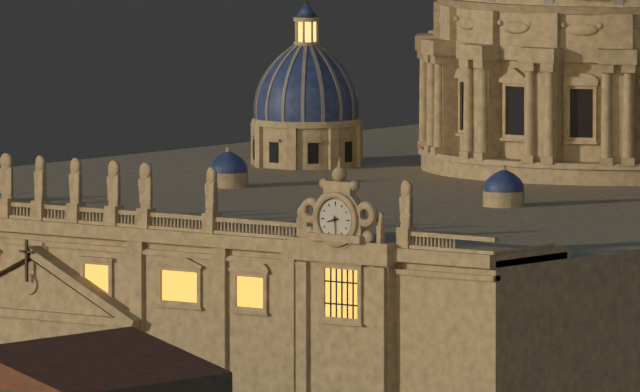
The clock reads 8:29
